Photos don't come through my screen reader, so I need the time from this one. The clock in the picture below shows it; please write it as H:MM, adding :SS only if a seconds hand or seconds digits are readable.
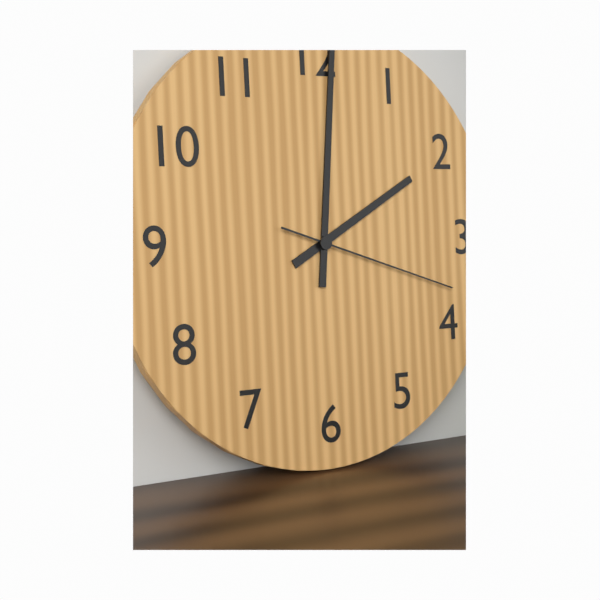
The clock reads 2:01:18
